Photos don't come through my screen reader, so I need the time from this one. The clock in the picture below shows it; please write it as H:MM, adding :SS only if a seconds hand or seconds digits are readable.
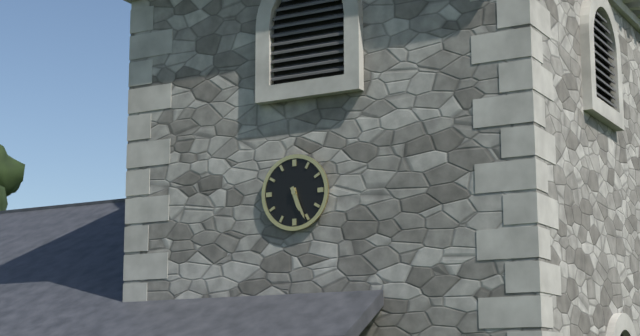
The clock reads 5:26
